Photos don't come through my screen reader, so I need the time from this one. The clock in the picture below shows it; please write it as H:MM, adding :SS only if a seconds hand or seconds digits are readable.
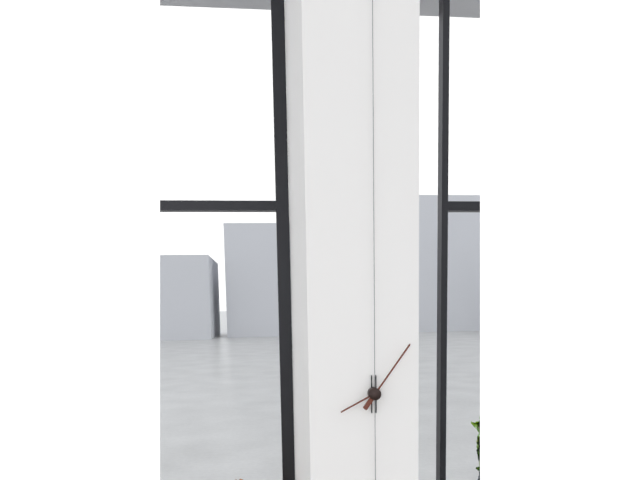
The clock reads 8:06
